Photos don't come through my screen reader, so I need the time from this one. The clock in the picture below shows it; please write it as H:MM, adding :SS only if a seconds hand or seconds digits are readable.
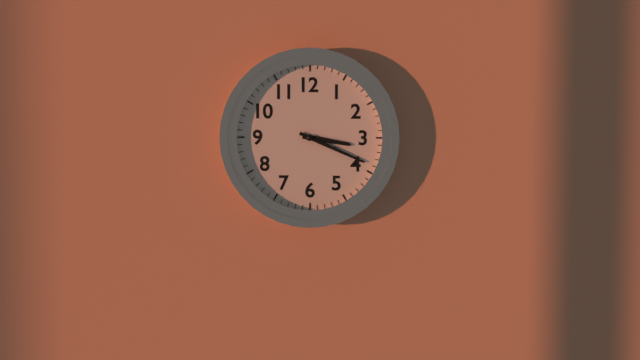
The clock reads 3:19
